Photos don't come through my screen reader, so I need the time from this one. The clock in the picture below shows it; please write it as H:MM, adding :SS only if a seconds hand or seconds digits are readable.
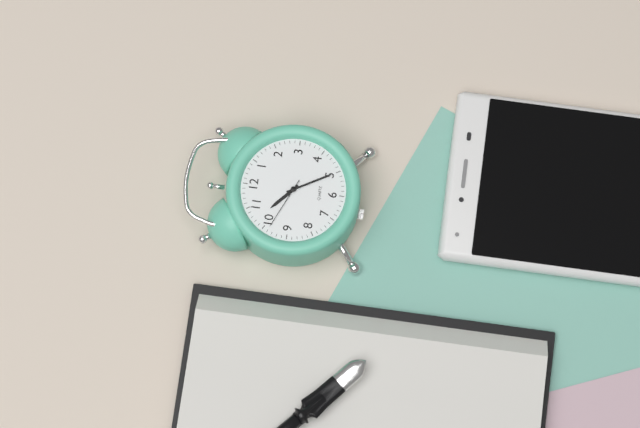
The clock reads 10:25:49
